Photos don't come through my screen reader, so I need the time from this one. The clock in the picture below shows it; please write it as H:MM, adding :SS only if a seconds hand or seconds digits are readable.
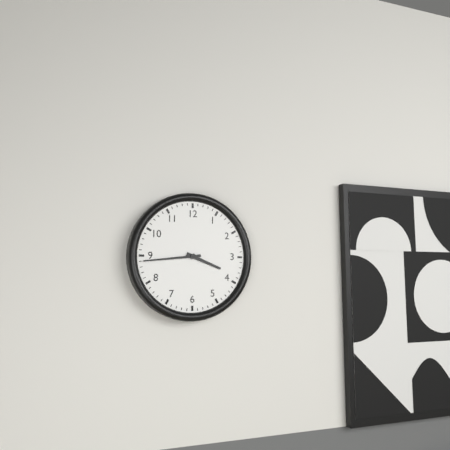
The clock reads 3:44
